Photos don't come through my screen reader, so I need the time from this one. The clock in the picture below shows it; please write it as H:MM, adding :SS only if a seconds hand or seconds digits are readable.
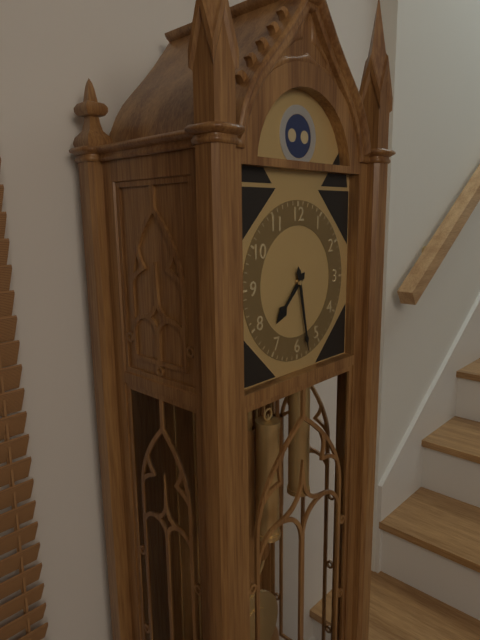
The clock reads 7:28
